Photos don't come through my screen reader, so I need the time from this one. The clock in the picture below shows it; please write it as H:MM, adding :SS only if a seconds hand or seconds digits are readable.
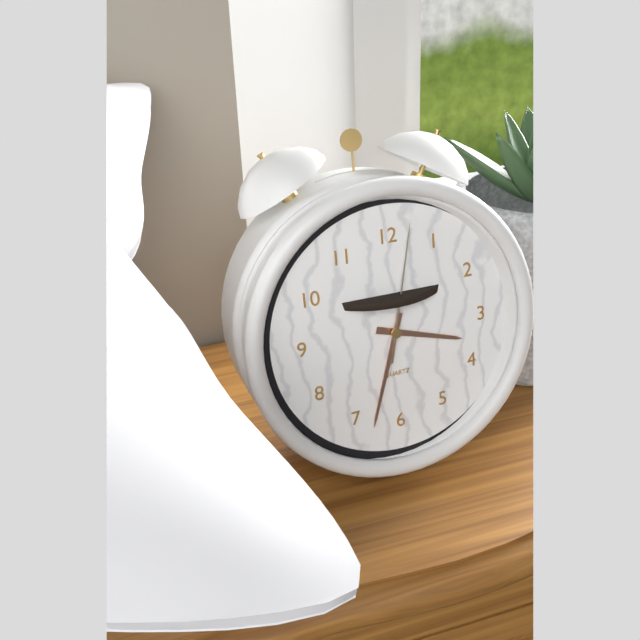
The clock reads 3:33:02
